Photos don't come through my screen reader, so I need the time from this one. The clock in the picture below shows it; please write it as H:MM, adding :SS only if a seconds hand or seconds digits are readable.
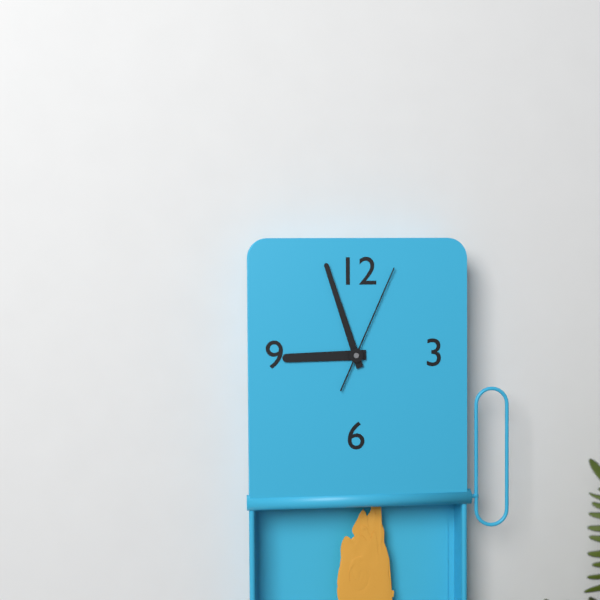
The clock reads 8:57:04
